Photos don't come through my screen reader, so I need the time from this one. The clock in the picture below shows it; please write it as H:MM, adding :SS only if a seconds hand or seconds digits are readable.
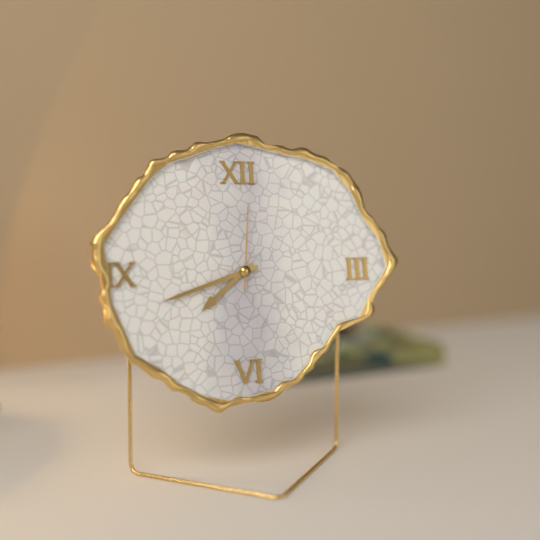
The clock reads 7:42:01
